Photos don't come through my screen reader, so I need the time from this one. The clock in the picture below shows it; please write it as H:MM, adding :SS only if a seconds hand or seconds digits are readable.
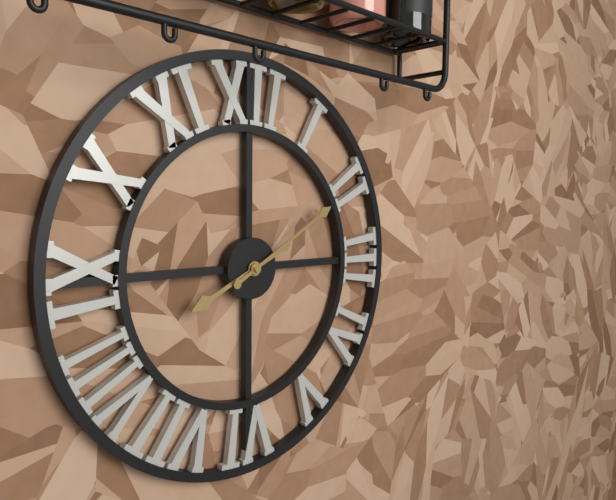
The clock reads 8:10
